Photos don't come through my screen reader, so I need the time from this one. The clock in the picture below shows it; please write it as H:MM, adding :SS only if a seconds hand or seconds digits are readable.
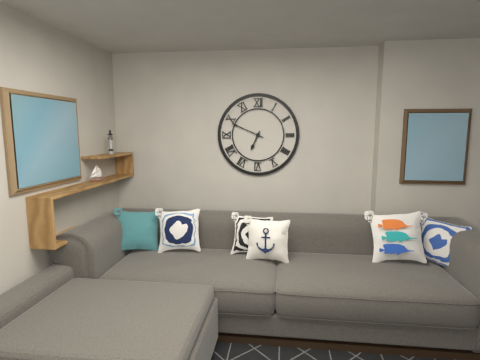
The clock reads 6:49
